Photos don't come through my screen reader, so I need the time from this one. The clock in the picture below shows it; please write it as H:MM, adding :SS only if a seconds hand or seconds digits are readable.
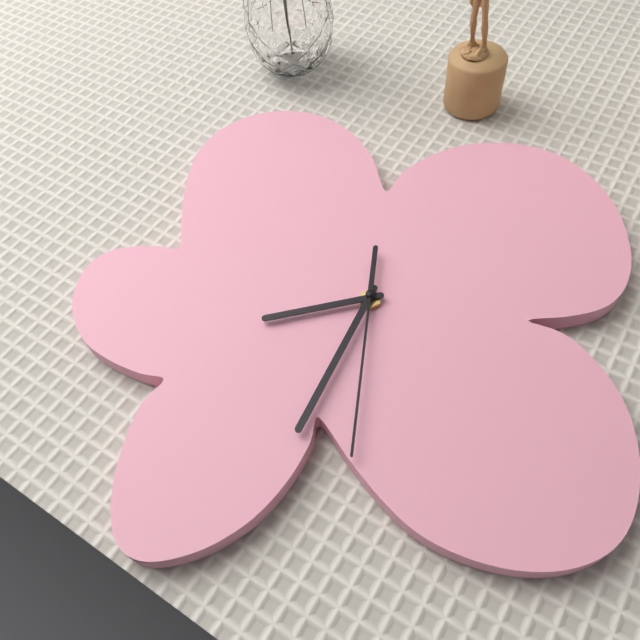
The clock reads 8:34:31
